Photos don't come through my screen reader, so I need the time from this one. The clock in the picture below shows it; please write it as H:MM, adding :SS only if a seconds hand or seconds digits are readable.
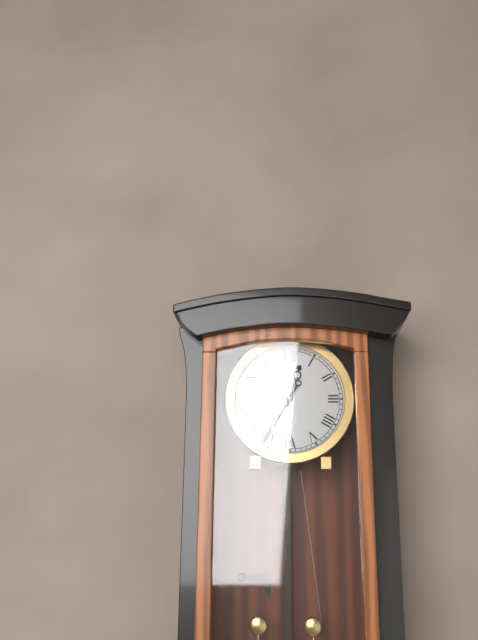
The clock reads 12:35
